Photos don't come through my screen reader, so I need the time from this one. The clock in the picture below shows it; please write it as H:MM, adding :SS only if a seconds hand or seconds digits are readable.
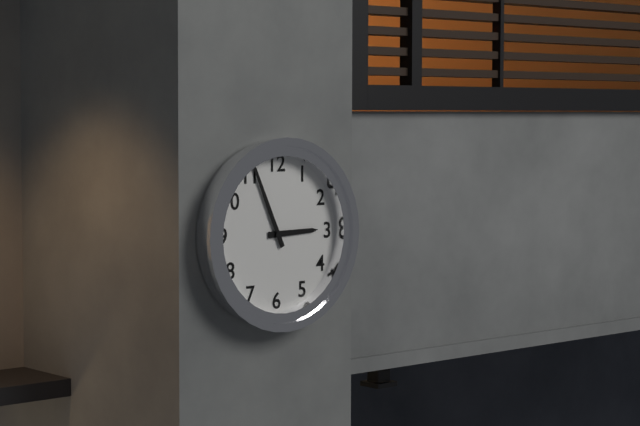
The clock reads 2:56
